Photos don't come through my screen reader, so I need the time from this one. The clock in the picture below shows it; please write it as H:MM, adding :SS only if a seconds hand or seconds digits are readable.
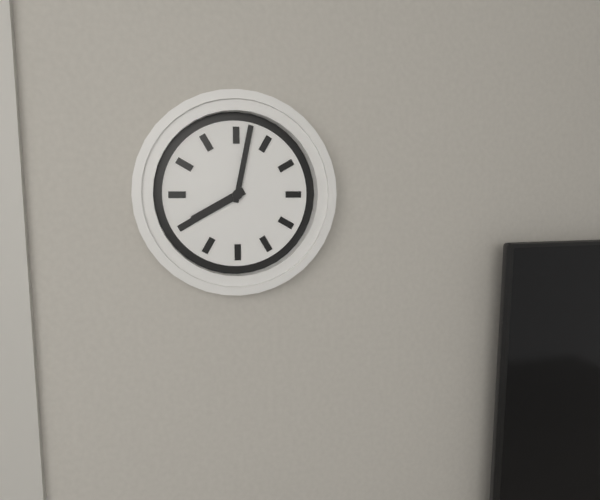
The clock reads 8:02
